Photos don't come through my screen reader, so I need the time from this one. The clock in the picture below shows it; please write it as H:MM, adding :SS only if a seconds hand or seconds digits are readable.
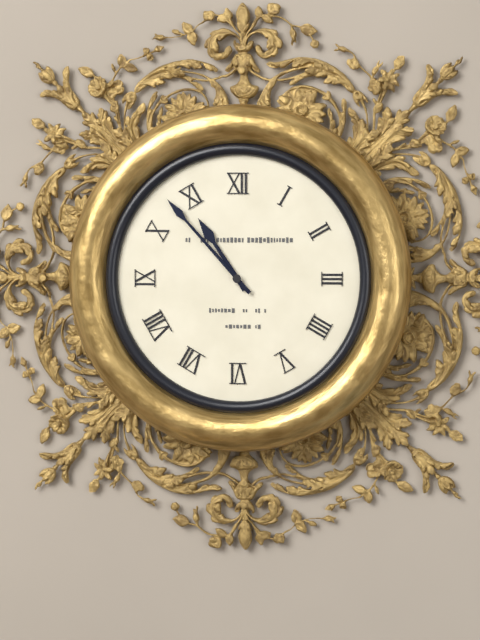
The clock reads 10:53
